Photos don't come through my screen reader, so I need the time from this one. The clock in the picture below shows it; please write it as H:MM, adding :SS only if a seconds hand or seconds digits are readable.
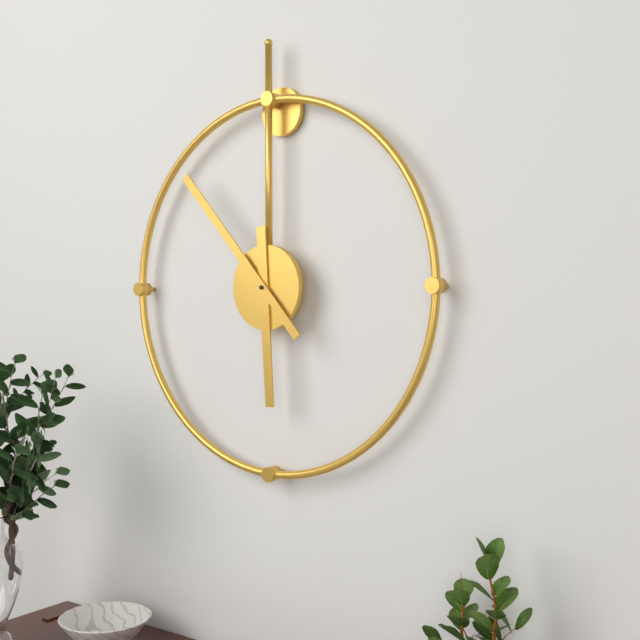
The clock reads 5:53
